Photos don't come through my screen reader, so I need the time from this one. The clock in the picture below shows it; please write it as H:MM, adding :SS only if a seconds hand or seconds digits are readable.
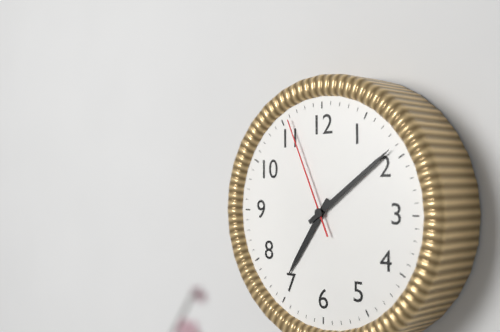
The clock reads 7:09:56
